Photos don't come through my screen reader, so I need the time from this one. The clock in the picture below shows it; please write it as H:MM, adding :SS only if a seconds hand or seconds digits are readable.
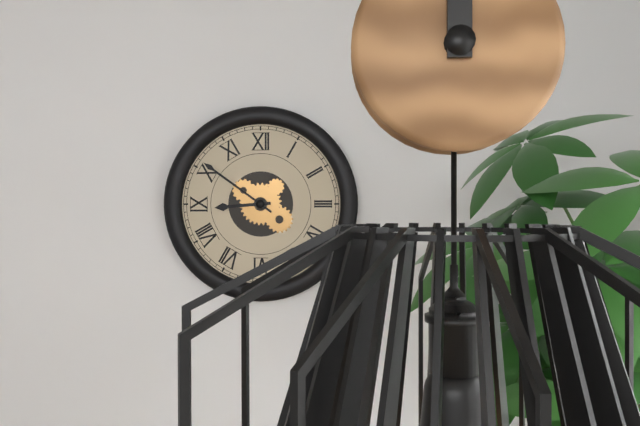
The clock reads 8:51
